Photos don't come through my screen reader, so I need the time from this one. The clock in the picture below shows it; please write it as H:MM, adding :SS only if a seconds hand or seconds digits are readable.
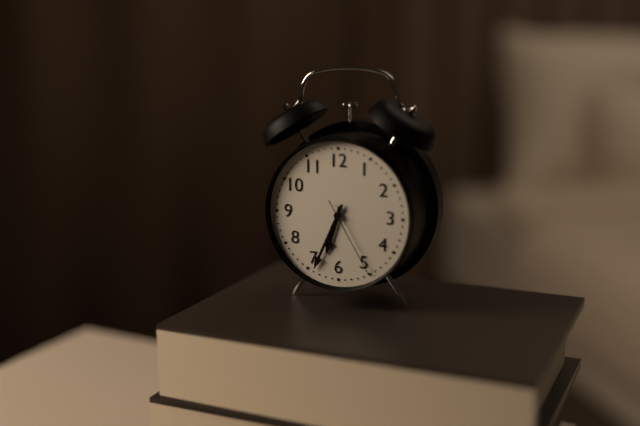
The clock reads 6:34:25
